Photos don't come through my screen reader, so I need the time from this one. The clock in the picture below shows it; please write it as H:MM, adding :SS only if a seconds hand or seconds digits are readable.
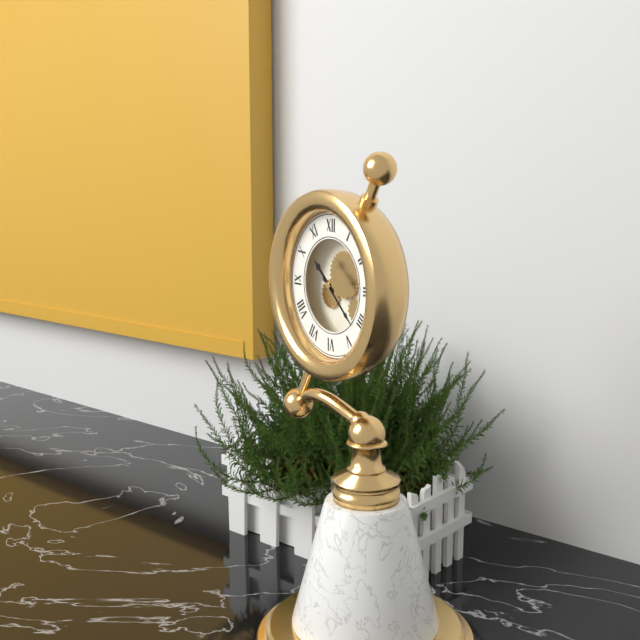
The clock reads 10:22
